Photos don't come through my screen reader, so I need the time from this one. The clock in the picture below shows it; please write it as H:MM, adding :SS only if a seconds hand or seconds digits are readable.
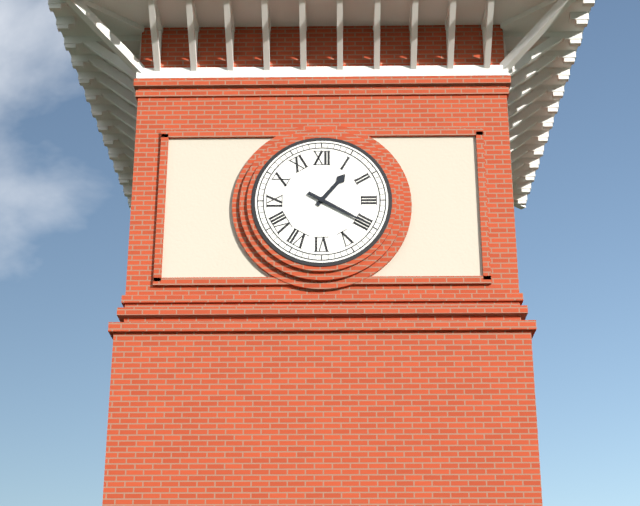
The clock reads 1:20
